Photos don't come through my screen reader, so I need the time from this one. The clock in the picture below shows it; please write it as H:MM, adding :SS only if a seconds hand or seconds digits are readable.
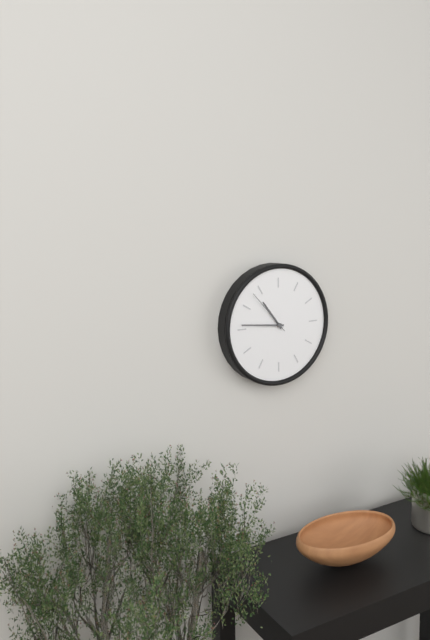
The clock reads 10:46:53
